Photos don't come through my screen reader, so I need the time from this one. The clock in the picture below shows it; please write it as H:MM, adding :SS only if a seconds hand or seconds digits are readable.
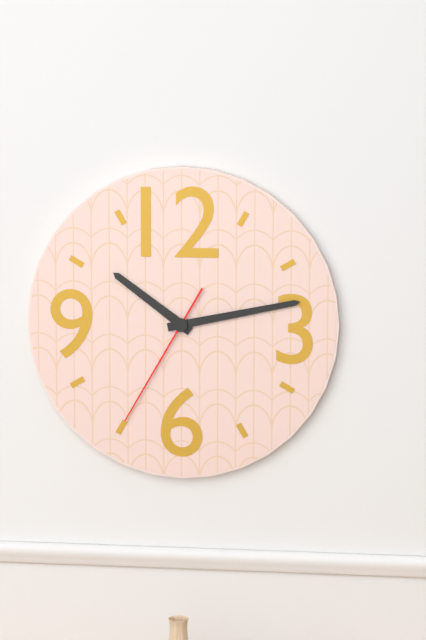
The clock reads 10:13:35
